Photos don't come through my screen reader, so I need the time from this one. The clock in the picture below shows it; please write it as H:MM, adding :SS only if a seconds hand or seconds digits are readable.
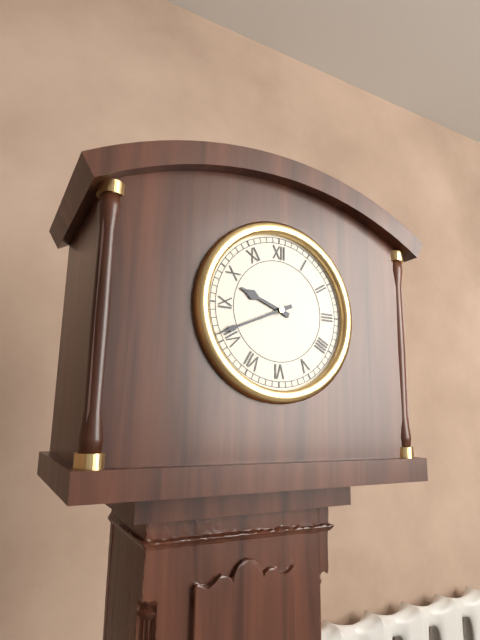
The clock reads 9:41
